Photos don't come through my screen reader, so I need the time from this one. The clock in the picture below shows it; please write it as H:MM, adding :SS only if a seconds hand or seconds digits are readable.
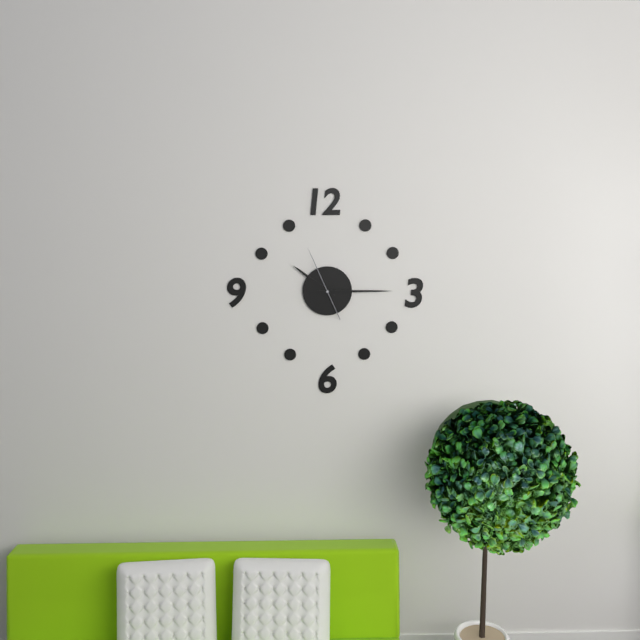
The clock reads 10:15:56
